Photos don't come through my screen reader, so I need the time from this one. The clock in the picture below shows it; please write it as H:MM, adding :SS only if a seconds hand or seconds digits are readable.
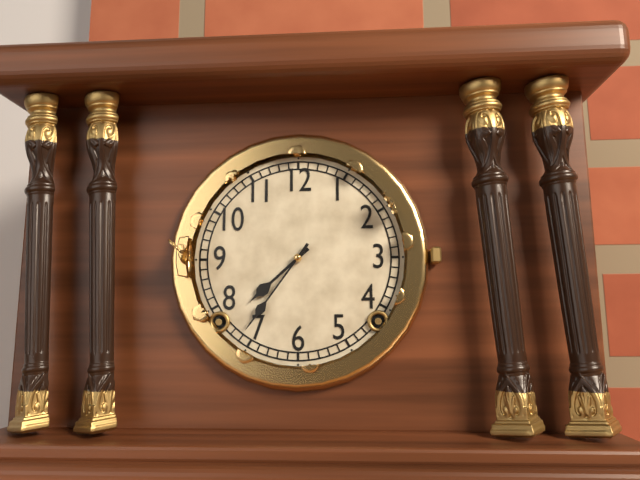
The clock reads 7:36
